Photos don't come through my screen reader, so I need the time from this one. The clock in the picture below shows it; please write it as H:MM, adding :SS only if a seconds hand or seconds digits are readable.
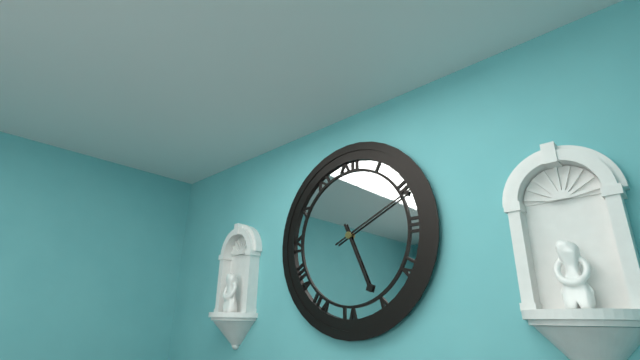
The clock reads 5:11
